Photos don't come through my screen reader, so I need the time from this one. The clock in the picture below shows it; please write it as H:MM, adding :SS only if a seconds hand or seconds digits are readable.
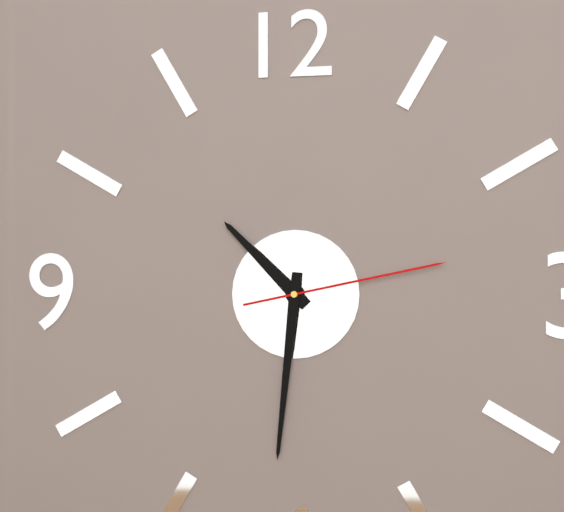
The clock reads 10:31:13
